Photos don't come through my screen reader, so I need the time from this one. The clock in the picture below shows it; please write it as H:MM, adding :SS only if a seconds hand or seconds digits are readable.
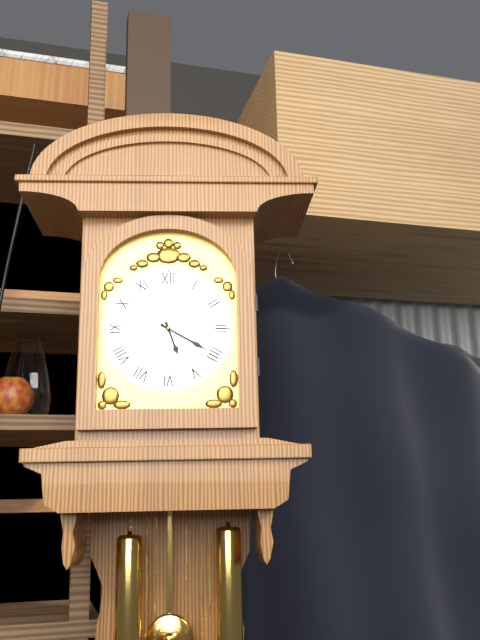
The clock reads 5:20
